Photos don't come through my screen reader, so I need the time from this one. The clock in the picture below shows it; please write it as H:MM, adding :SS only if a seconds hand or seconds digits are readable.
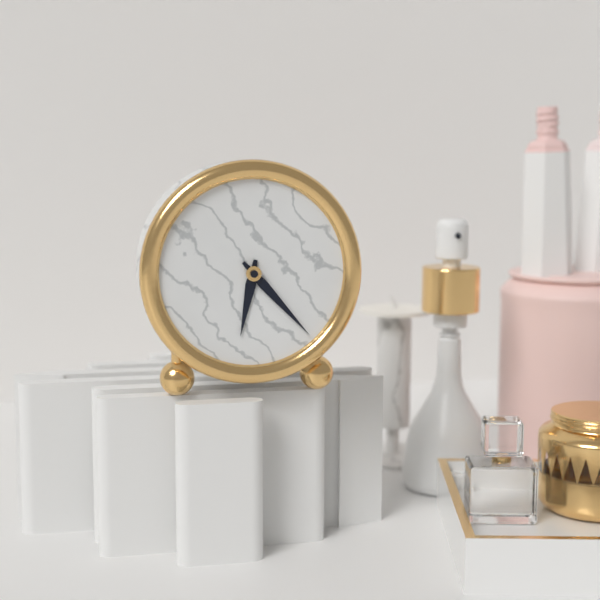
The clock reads 6:23
